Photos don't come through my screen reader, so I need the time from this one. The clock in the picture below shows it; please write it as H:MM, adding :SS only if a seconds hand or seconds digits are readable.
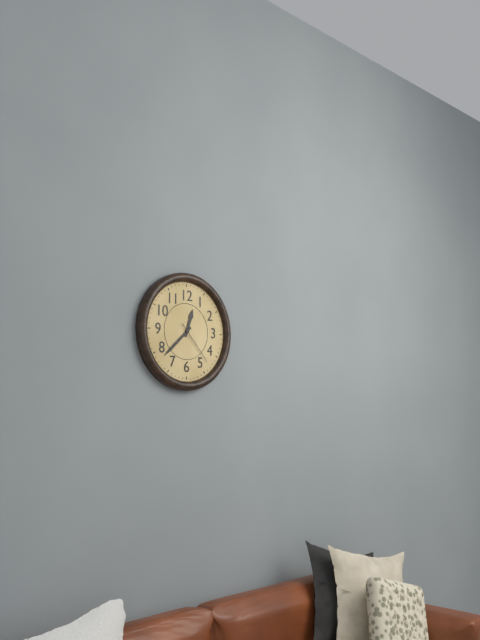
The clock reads 12:38
